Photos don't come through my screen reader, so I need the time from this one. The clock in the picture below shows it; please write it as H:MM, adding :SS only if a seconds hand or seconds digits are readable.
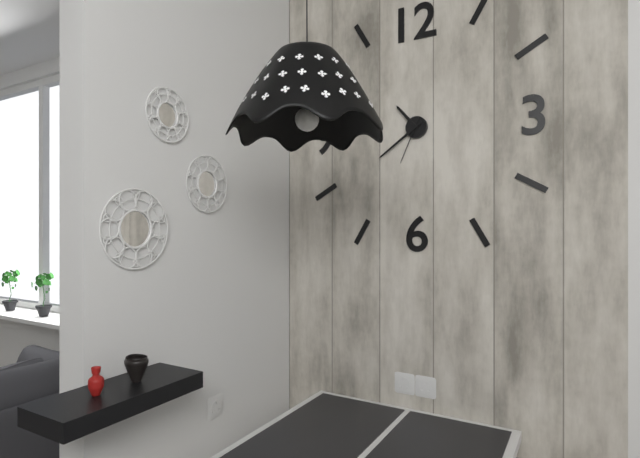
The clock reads 10:39
